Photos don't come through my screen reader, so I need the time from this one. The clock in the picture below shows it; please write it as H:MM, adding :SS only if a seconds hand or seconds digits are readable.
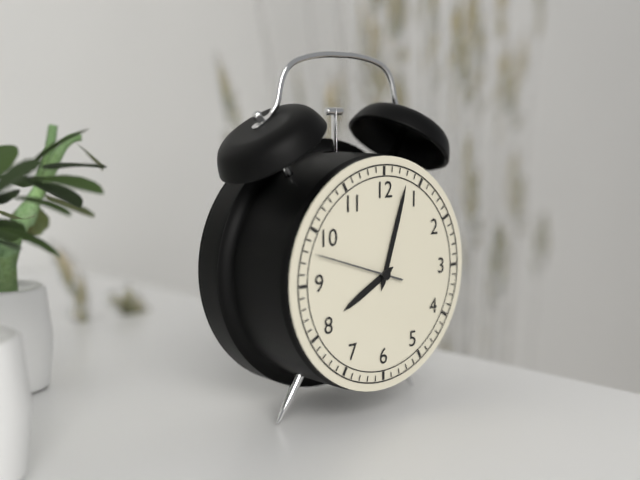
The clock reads 8:03
